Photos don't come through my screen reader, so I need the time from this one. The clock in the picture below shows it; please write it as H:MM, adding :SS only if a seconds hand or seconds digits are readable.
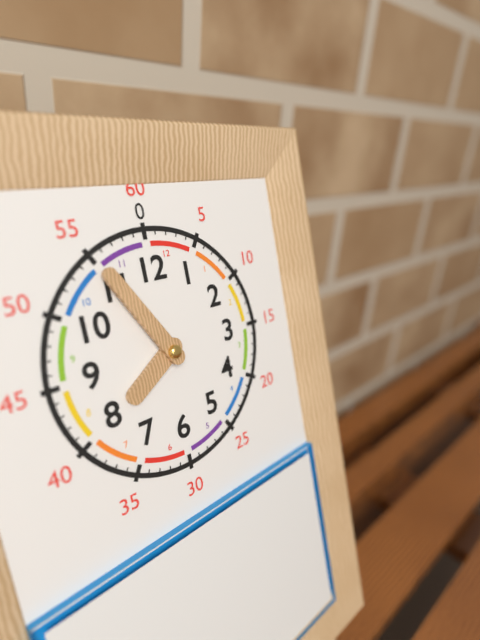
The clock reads 7:55
